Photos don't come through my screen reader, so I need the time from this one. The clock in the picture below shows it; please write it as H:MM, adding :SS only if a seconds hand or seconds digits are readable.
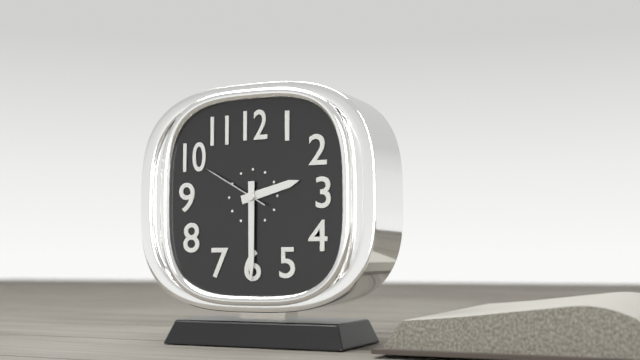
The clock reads 2:30:50
